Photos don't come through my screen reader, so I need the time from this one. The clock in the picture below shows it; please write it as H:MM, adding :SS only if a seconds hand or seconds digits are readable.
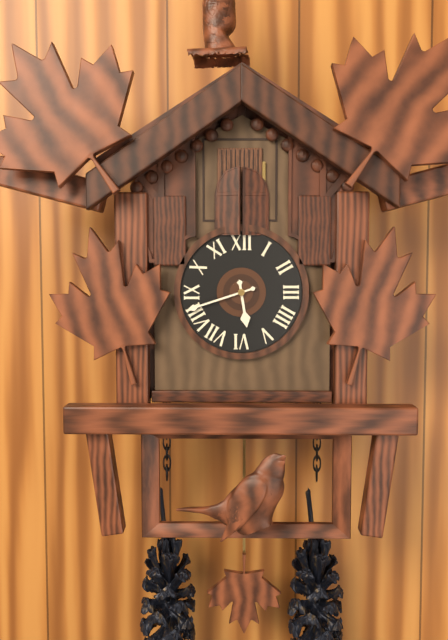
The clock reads 5:42
